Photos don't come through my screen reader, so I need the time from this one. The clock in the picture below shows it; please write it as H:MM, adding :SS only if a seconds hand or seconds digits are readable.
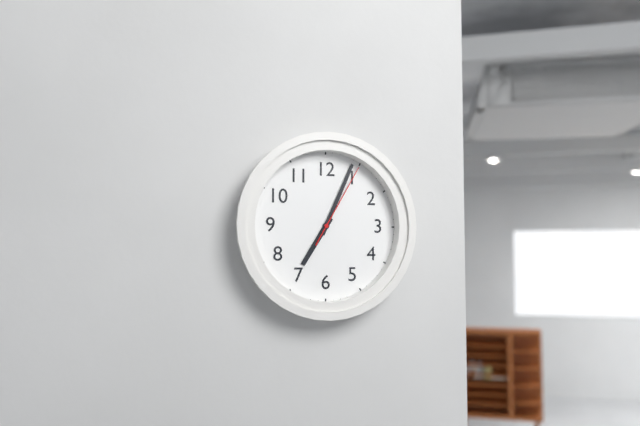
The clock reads 7:04:05
